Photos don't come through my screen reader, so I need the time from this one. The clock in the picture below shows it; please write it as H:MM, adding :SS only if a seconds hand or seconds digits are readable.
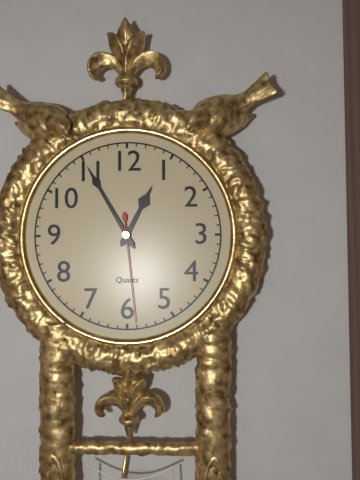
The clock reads 12:55:29
